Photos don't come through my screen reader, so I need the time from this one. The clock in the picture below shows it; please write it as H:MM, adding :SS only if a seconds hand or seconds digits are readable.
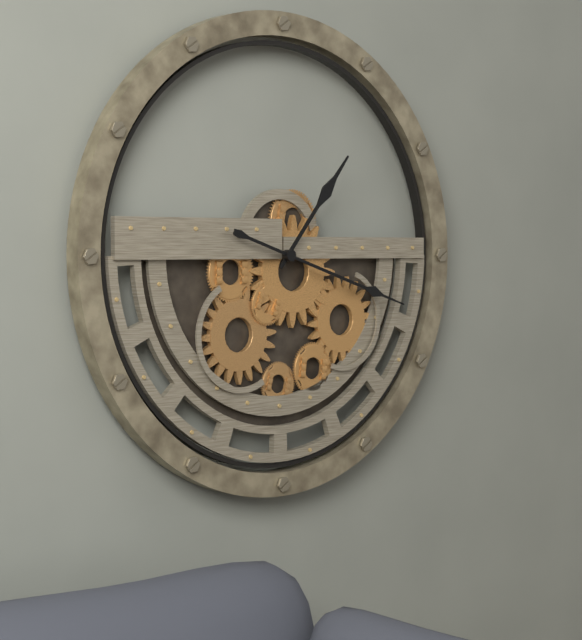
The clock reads 1:18
